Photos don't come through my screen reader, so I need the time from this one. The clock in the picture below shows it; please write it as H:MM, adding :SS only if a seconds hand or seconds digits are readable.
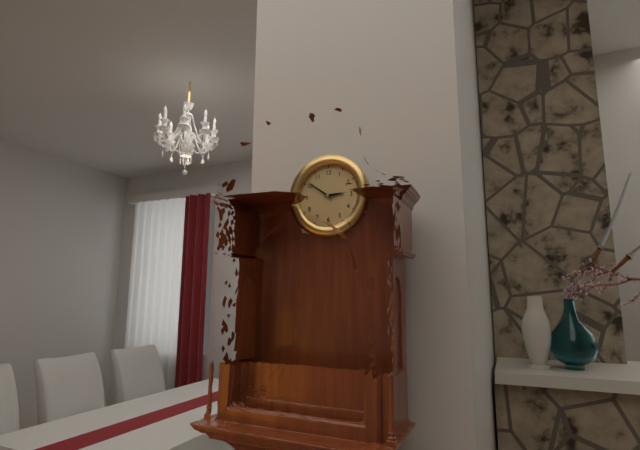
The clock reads 2:51
